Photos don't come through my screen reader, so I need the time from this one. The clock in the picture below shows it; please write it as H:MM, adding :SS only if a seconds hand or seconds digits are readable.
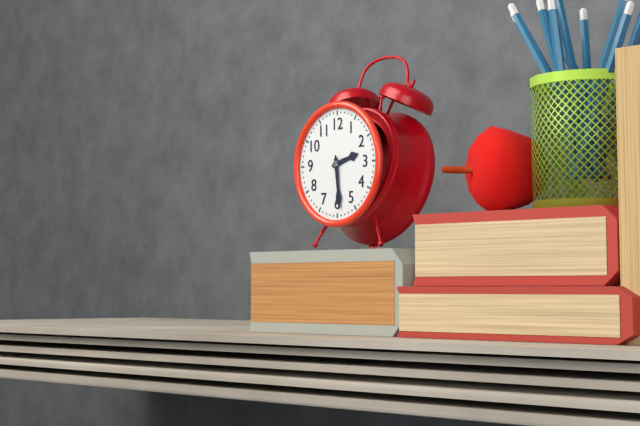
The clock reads 2:29
